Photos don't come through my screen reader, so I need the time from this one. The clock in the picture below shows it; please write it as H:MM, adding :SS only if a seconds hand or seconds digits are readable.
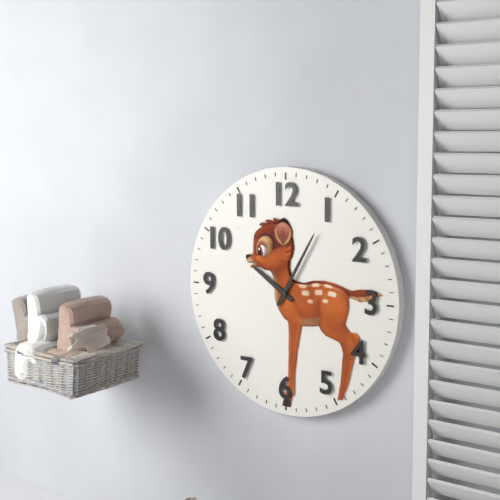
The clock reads 10:05
